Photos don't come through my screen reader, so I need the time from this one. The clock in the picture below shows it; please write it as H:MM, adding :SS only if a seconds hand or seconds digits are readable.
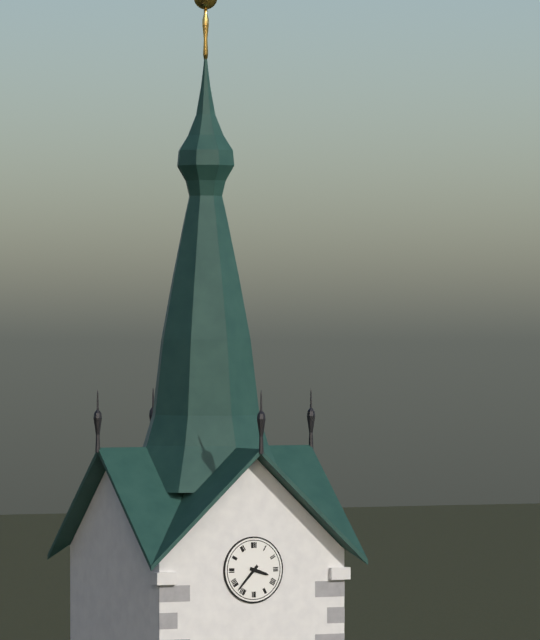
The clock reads 3:37
